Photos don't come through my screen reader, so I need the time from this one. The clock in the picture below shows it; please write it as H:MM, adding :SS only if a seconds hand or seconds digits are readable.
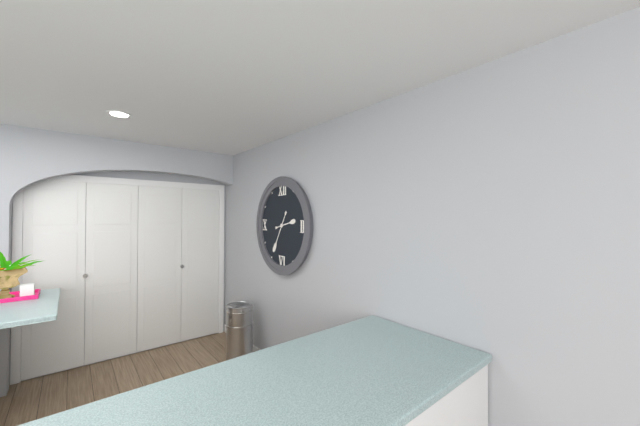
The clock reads 2:35
